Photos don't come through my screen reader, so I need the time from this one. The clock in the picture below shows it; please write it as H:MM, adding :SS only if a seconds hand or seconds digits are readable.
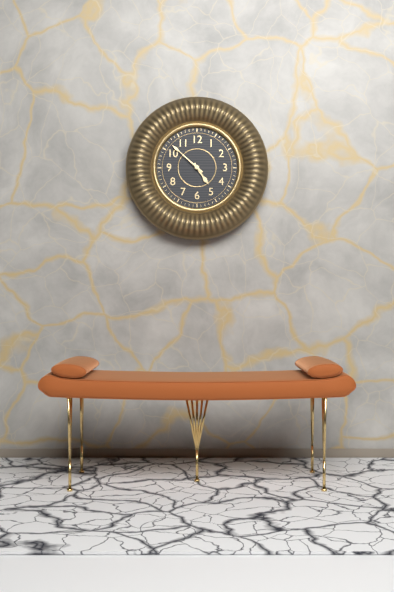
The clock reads 4:52
